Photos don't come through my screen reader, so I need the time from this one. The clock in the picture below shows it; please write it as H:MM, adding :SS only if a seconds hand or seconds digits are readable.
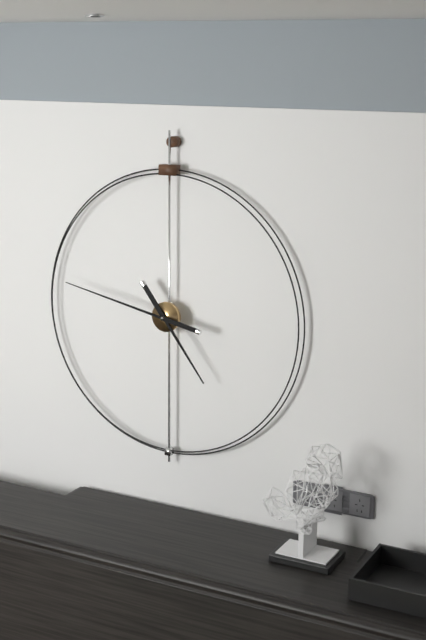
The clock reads 4:47
